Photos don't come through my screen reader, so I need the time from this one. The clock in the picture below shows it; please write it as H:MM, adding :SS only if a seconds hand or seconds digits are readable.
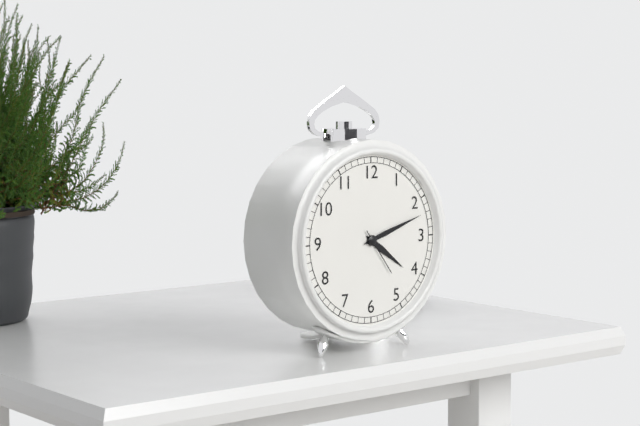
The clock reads 4:12
